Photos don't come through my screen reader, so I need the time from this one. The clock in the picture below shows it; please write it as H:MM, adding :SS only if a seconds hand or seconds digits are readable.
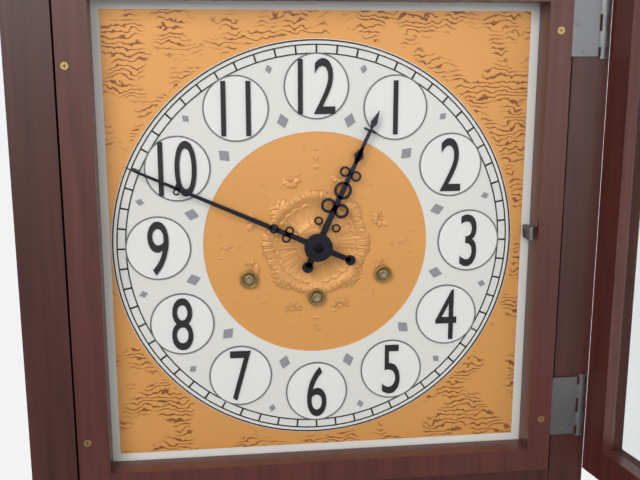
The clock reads 12:49
